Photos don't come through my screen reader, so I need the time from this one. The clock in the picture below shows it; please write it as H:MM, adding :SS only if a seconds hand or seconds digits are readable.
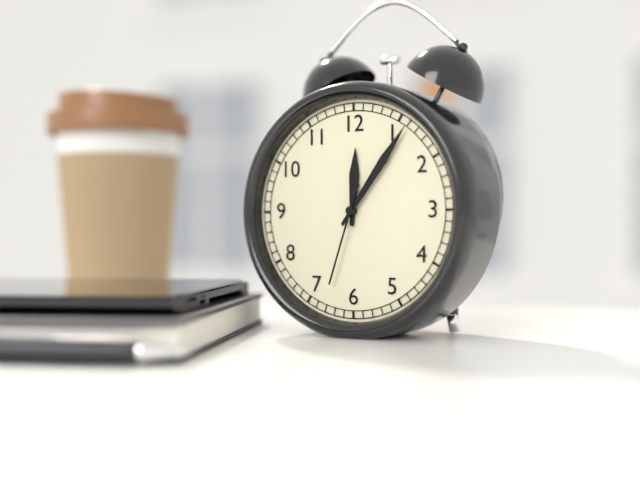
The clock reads 12:06:33
